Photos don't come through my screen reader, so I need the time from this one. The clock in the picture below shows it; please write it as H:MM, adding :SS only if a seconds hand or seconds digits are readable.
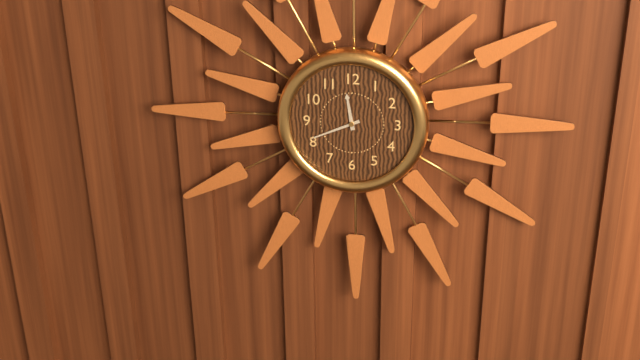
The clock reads 11:41
